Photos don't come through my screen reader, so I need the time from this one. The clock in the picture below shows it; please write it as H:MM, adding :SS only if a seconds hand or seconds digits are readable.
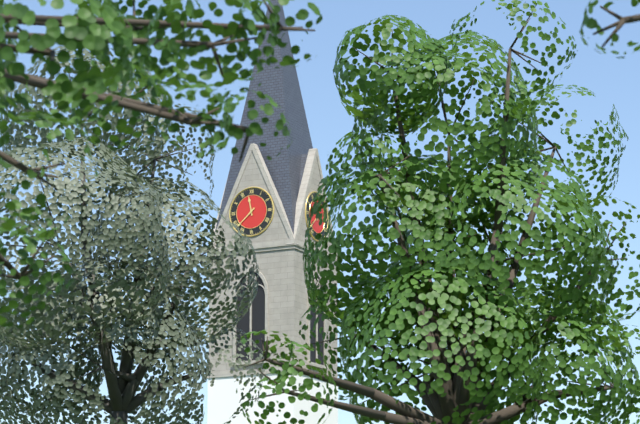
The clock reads 11:38
